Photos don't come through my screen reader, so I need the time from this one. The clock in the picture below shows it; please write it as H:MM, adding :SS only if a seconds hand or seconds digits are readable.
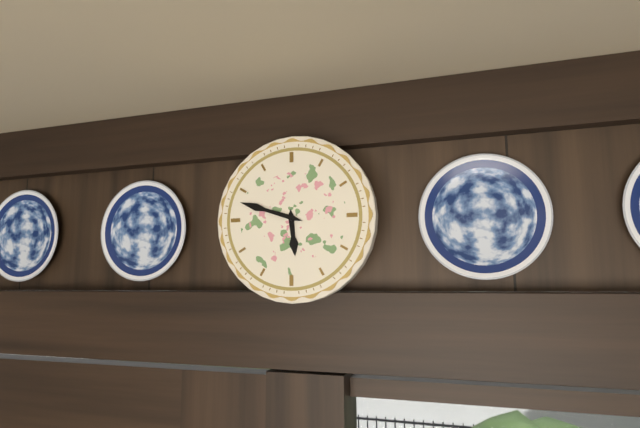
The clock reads 5:48
